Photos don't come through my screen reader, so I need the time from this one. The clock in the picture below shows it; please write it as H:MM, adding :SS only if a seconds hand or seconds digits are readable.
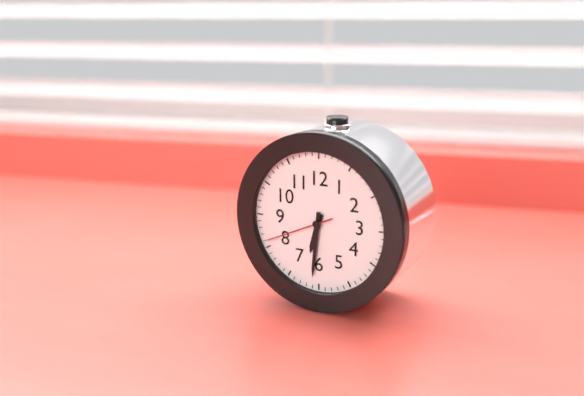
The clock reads 6:31:41
